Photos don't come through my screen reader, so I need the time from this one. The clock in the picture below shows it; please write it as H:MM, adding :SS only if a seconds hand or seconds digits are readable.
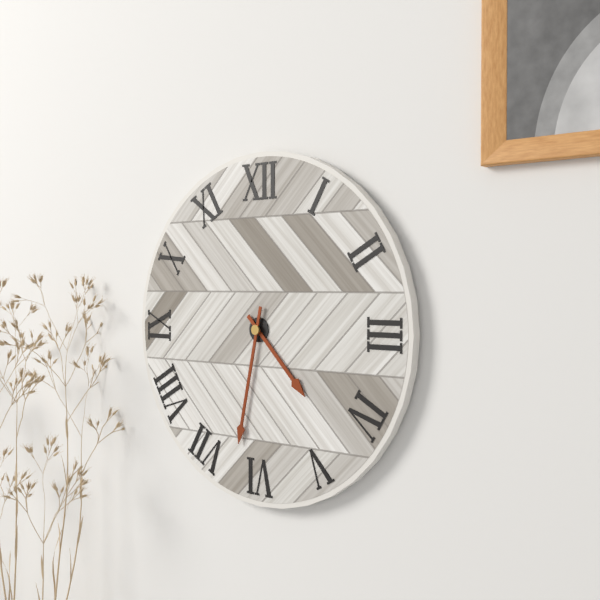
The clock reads 4:32
